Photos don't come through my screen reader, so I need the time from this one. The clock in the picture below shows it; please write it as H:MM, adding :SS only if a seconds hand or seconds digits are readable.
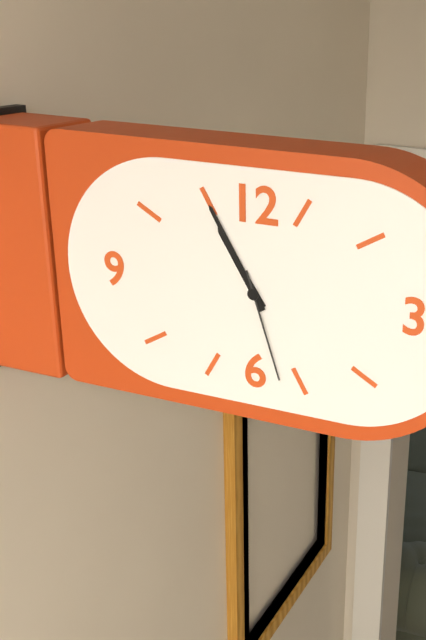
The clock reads 10:55:27
